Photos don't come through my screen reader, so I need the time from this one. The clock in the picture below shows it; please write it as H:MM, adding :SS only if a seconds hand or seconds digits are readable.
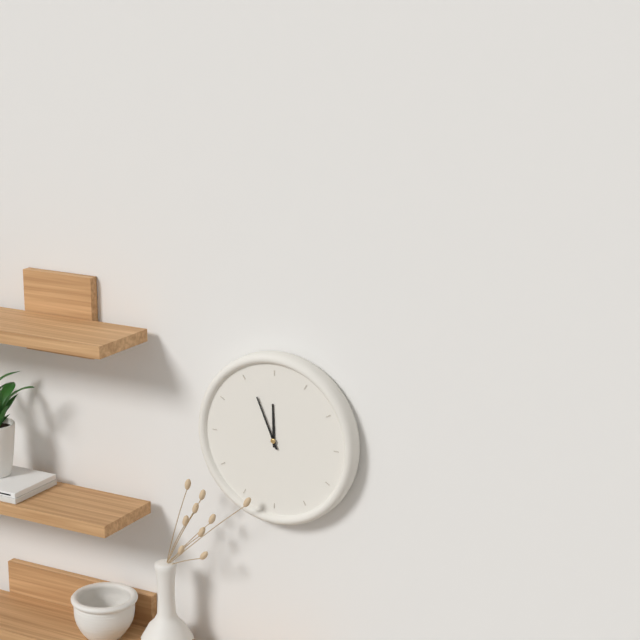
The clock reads 11:56
